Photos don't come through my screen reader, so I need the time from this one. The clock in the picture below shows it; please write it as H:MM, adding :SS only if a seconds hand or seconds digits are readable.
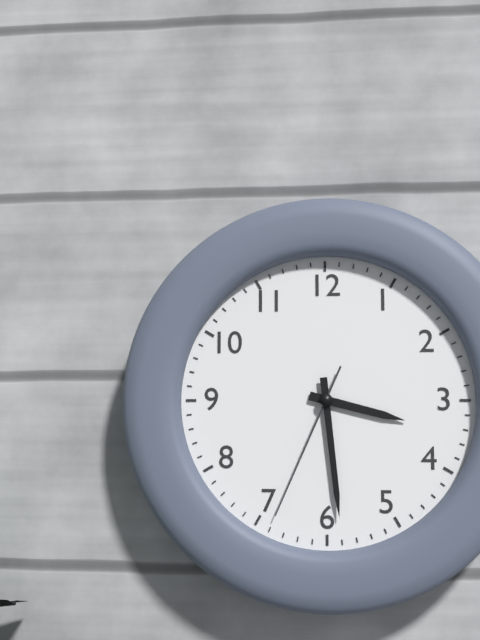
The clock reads 3:29:34
